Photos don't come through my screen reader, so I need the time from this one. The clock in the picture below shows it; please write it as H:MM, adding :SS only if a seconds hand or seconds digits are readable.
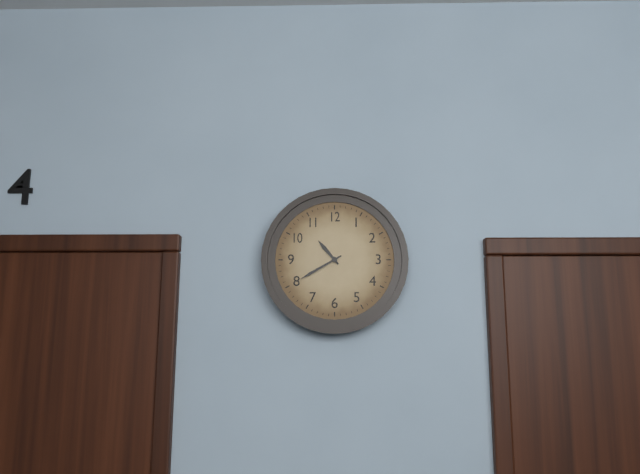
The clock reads 10:40
